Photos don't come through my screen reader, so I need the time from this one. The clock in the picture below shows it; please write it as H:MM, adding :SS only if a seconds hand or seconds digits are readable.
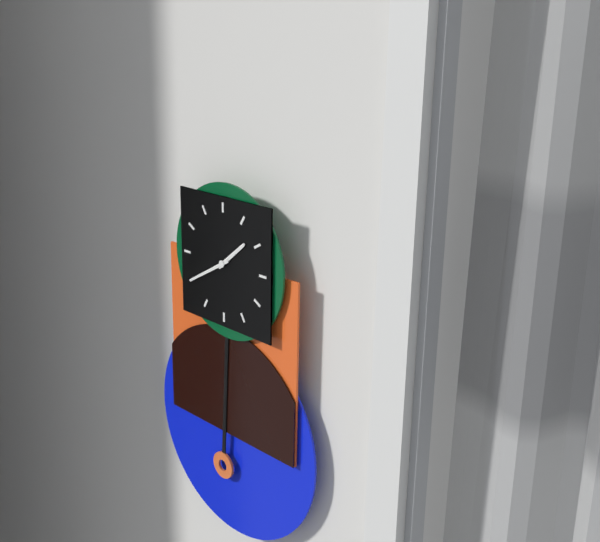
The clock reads 1:40
